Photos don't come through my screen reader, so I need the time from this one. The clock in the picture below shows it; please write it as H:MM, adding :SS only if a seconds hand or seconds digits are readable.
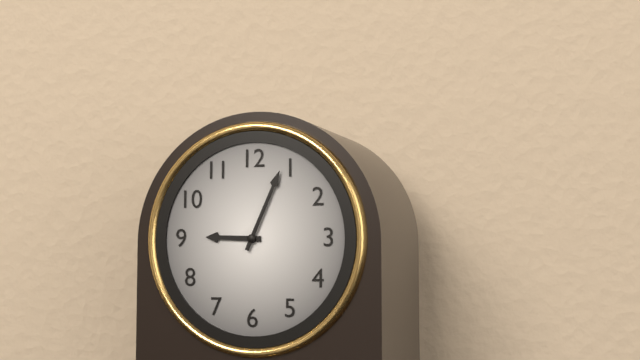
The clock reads 9:04
